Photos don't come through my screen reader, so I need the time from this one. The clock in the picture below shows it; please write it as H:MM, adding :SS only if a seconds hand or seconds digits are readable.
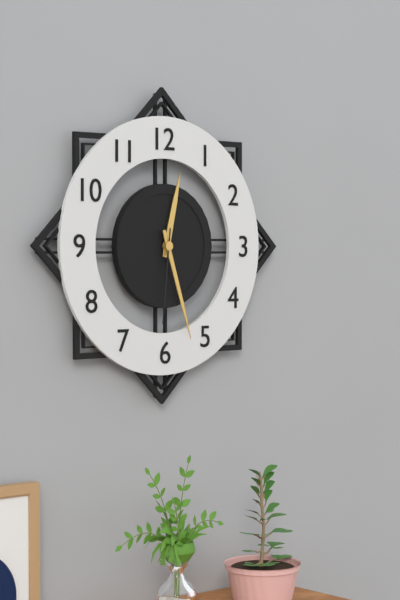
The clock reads 12:27:31
